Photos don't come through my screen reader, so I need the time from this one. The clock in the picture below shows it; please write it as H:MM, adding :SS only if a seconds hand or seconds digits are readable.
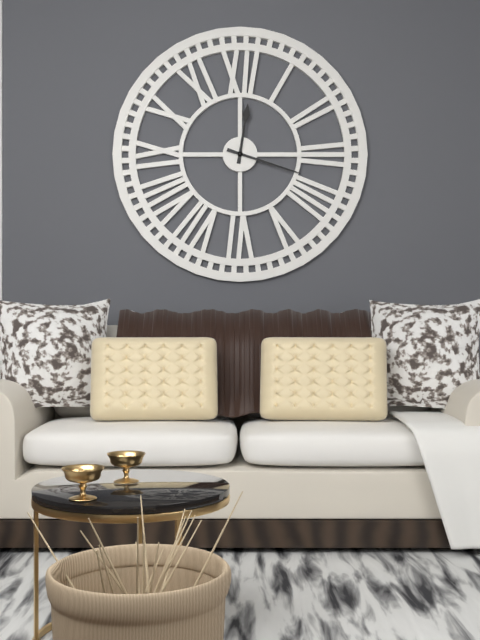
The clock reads 12:18
